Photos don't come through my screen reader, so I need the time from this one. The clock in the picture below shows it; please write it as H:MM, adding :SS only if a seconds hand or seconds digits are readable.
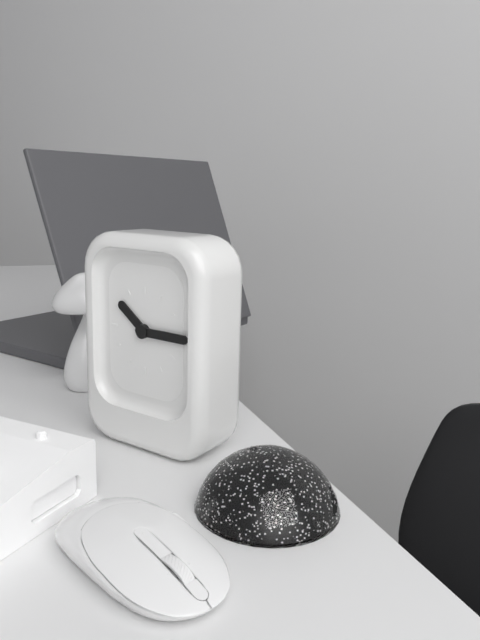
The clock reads 10:15
